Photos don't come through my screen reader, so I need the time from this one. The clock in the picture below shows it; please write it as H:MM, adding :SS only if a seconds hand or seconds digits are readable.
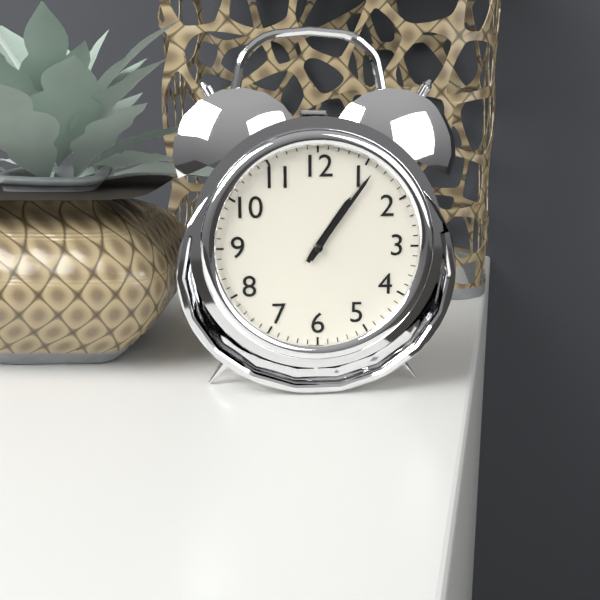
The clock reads 1:06
